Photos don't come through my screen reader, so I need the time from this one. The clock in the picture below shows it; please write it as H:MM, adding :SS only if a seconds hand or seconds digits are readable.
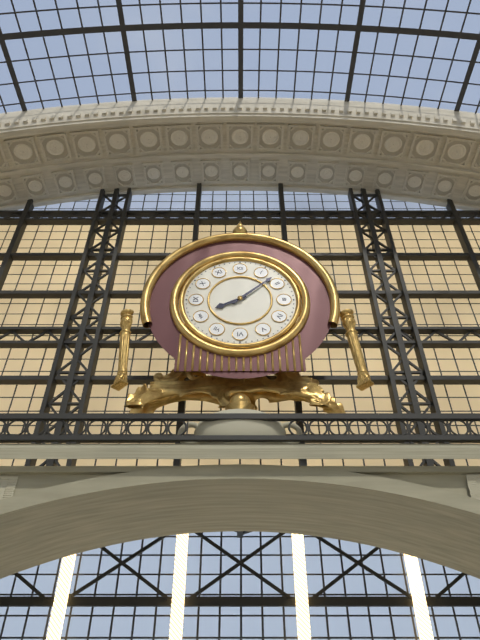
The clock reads 8:08
